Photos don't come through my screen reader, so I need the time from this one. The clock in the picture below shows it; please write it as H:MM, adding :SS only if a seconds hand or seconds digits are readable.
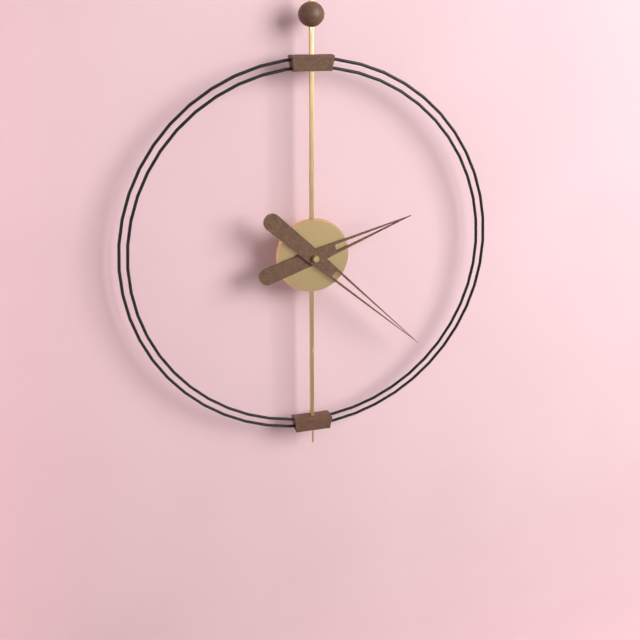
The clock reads 2:22
